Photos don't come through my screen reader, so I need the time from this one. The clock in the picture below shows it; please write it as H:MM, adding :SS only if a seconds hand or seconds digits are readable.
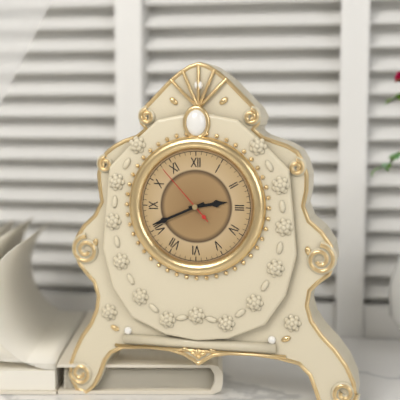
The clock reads 2:41:53
